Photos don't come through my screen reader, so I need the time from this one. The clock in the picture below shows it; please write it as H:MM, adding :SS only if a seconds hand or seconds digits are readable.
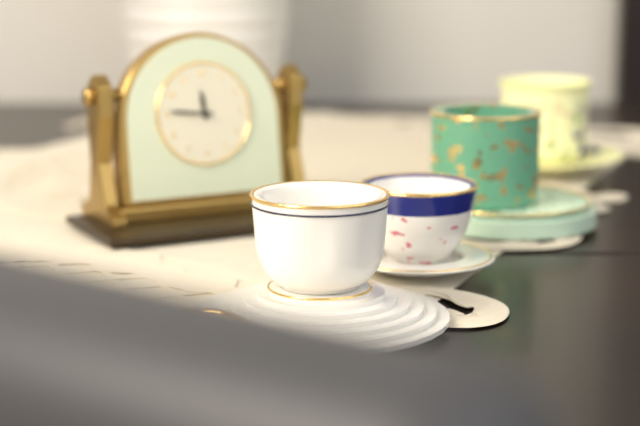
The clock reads 11:46
